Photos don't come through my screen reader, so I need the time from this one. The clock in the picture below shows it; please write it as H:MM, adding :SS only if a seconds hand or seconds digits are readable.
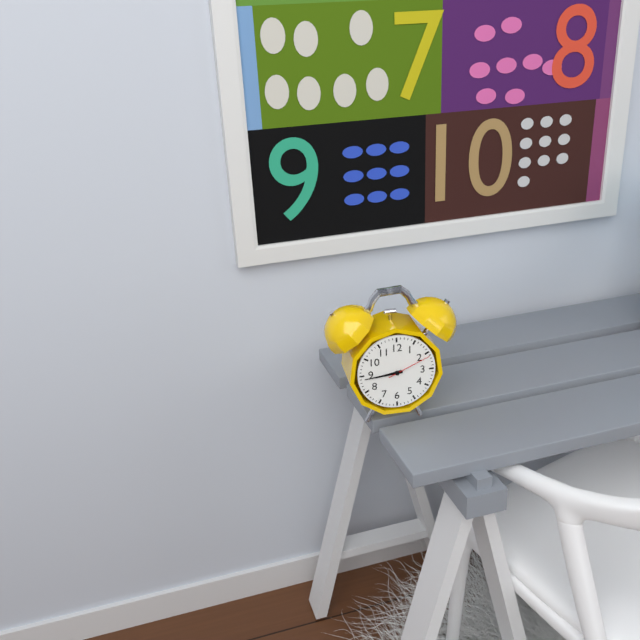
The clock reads 8:44
